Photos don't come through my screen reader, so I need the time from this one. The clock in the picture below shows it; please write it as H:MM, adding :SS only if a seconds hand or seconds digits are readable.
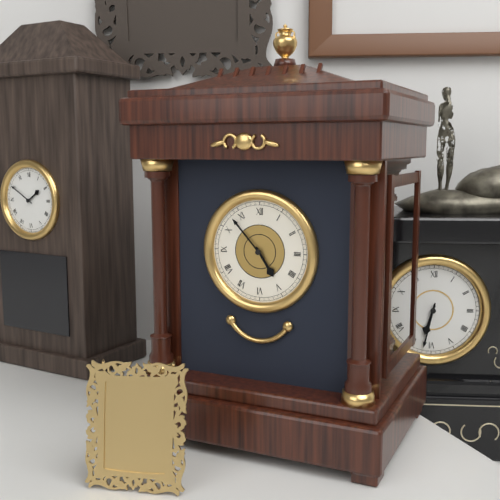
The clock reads 4:53
